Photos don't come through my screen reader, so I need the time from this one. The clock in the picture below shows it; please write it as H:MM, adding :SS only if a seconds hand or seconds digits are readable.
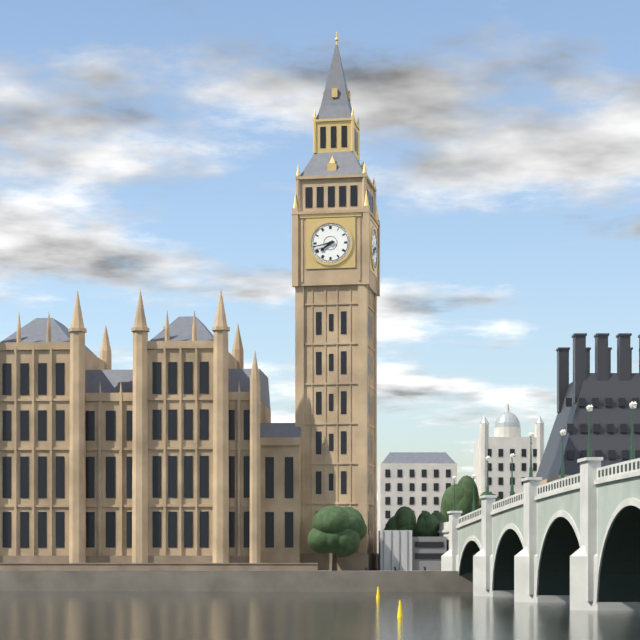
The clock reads 7:43
